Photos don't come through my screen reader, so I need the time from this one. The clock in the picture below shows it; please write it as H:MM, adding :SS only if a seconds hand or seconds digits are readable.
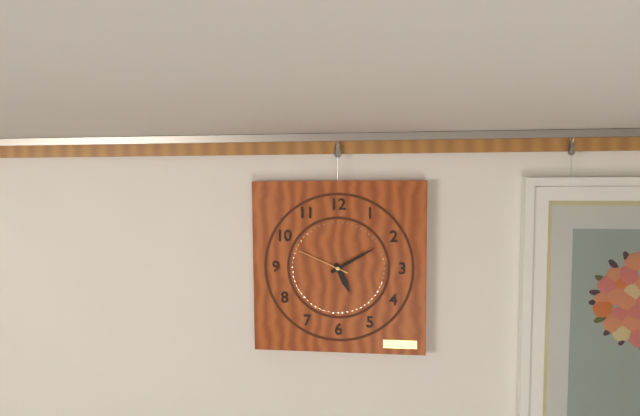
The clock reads 5:10:49
